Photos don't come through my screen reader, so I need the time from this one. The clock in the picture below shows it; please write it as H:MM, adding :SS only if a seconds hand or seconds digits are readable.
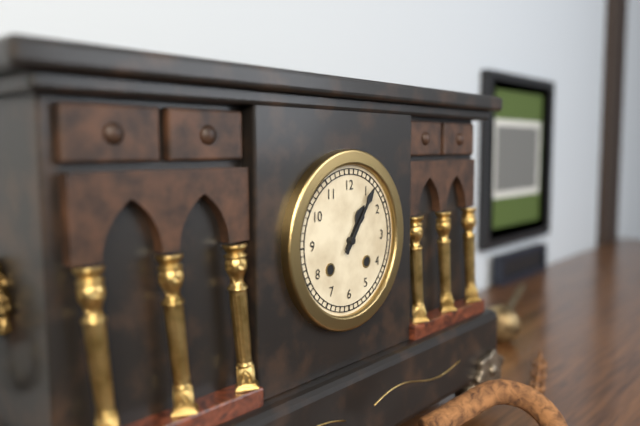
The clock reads 1:06
